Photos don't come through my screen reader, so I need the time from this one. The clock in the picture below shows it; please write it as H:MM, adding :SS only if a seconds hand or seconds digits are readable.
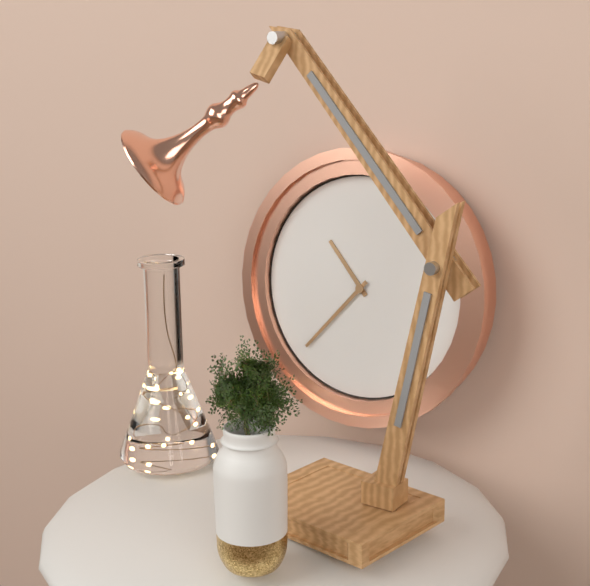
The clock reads 10:37
